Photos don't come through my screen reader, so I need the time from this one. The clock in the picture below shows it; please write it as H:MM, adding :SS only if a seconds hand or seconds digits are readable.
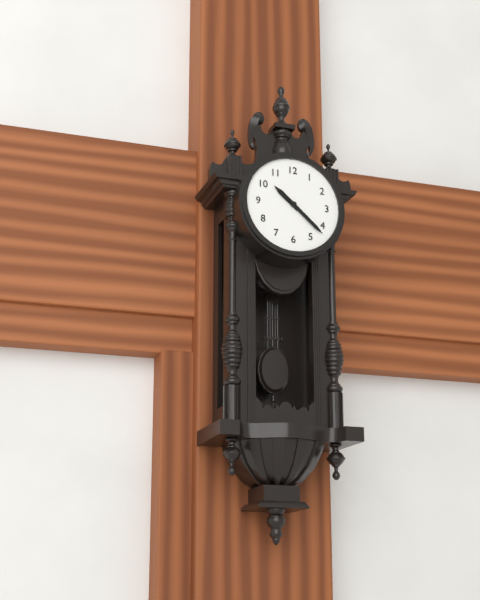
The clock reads 10:22
